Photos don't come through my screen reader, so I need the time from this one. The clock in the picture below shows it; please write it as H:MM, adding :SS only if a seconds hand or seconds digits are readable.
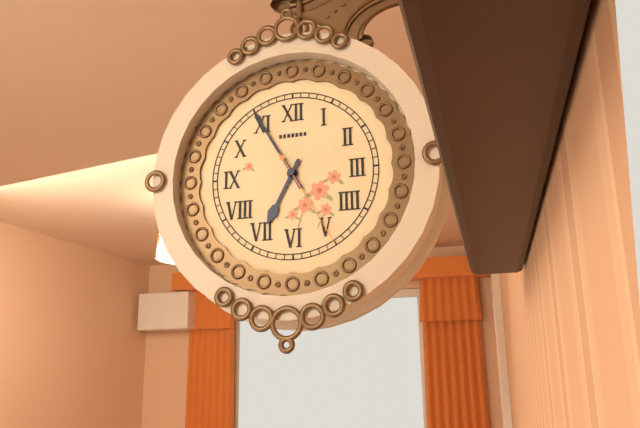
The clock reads 6:55:25
